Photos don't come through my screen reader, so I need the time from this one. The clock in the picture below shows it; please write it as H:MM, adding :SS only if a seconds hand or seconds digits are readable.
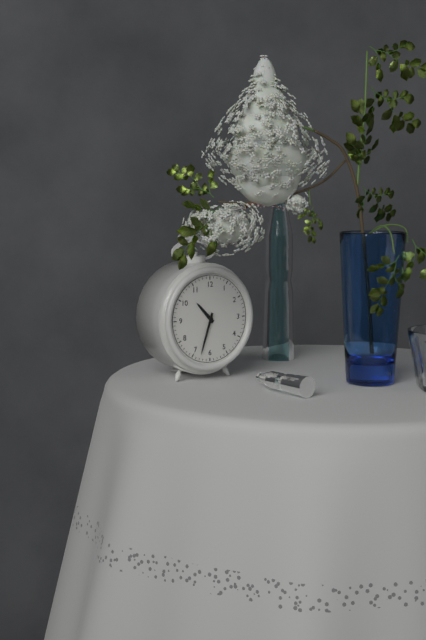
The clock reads 10:33
